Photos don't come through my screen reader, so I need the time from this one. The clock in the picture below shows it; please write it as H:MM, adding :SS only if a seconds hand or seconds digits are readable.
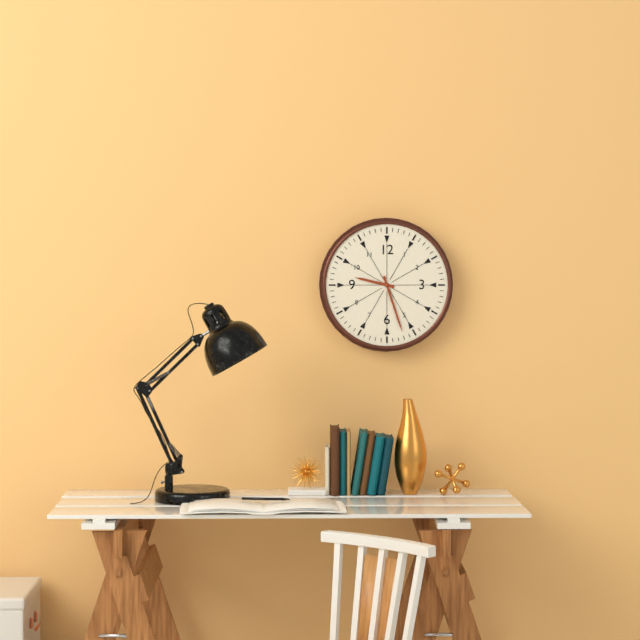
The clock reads 9:27
